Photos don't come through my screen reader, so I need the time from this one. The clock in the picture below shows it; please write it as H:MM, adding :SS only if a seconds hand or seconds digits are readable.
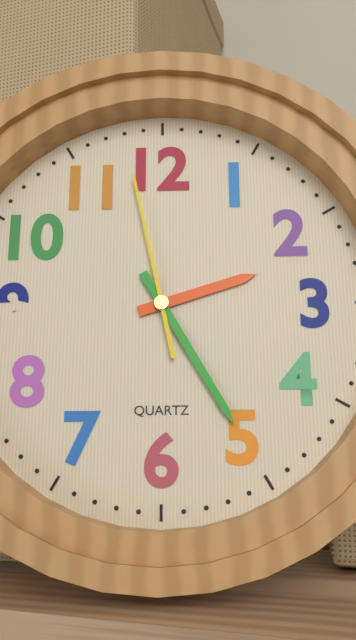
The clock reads 2:25:58
